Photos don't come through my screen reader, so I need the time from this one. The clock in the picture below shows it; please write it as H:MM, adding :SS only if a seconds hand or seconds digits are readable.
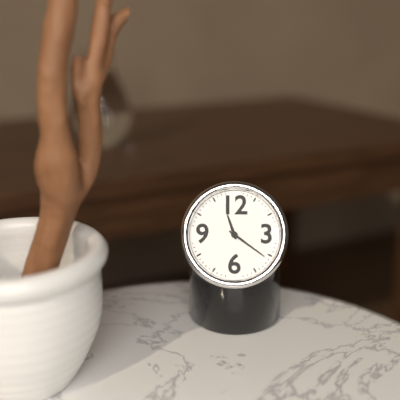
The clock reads 11:21
